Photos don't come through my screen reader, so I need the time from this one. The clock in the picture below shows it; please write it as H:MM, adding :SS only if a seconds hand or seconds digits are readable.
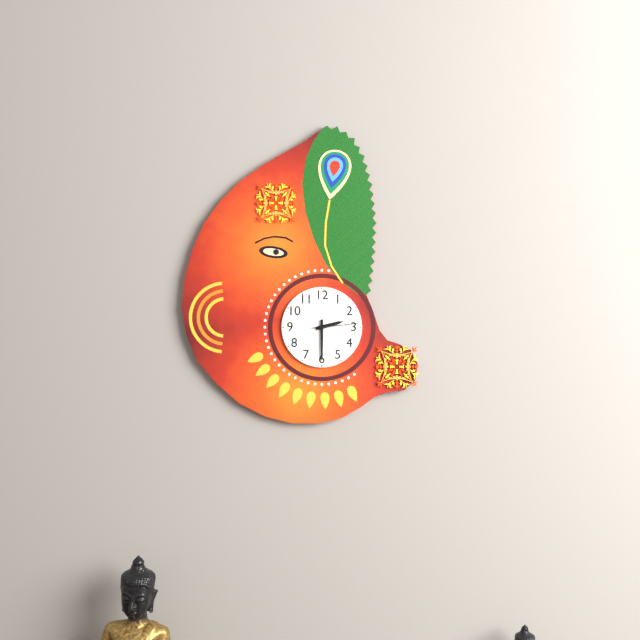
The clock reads 2:30
